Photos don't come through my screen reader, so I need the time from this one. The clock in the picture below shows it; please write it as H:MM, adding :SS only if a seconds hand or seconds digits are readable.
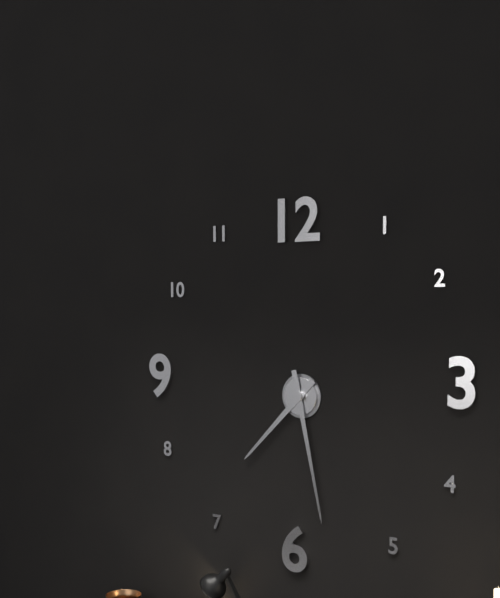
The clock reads 7:28
